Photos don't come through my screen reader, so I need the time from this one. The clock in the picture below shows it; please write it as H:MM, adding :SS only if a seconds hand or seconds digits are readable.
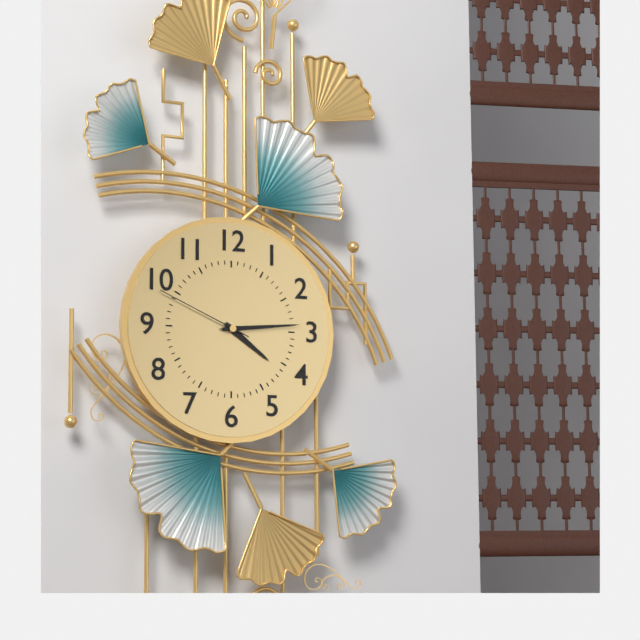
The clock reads 4:14:49
